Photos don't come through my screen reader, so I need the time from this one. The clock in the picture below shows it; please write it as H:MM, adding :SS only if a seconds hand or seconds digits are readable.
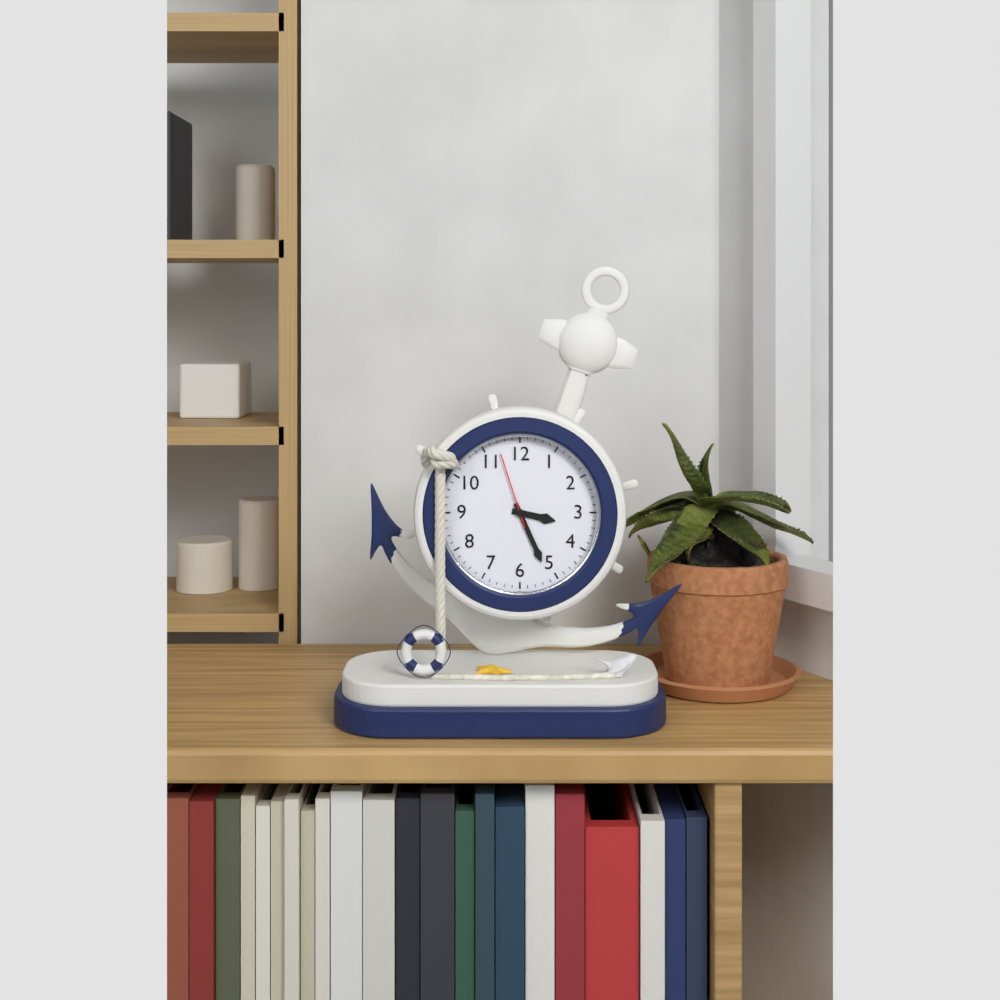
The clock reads 3:26:57
